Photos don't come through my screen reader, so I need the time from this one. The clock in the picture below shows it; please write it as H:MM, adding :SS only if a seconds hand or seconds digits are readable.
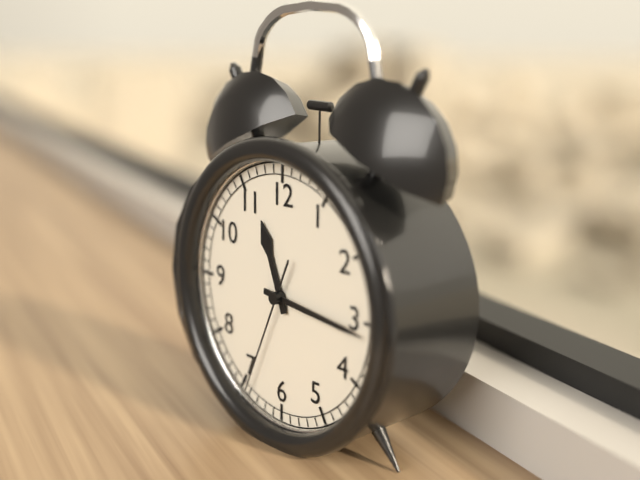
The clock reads 11:16:34
